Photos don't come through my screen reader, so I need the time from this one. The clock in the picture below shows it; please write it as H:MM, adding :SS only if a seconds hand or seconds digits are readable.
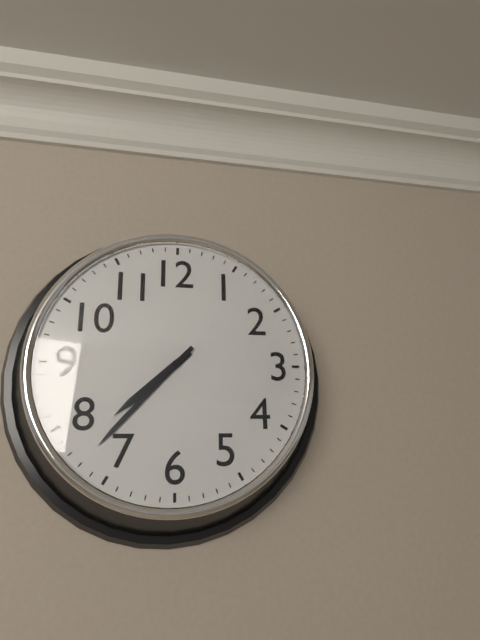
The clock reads 7:37
